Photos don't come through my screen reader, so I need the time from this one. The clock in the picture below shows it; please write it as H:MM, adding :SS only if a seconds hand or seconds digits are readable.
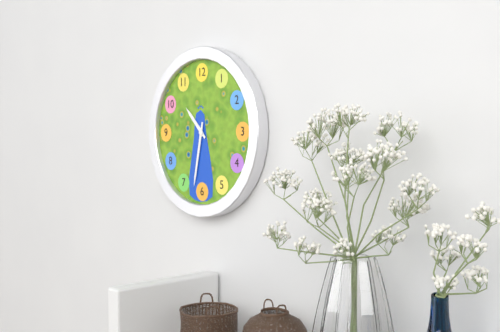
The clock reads 10:32
